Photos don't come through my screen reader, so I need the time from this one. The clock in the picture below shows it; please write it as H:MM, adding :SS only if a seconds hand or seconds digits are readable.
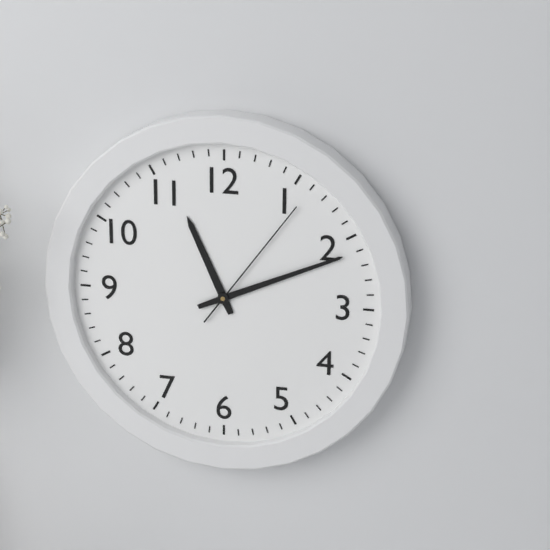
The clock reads 11:11:06
